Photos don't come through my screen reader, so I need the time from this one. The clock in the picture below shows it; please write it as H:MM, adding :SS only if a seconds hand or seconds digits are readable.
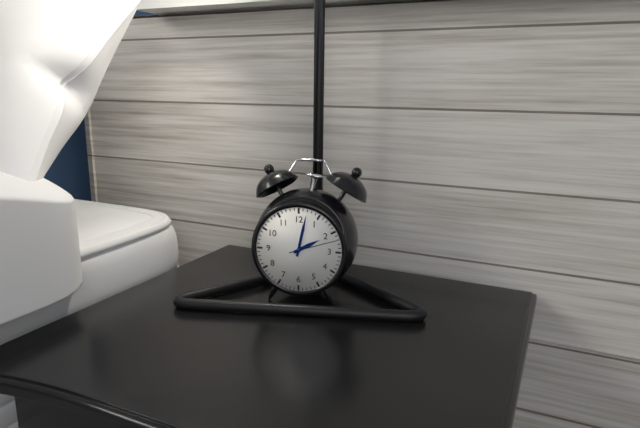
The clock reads 2:02
